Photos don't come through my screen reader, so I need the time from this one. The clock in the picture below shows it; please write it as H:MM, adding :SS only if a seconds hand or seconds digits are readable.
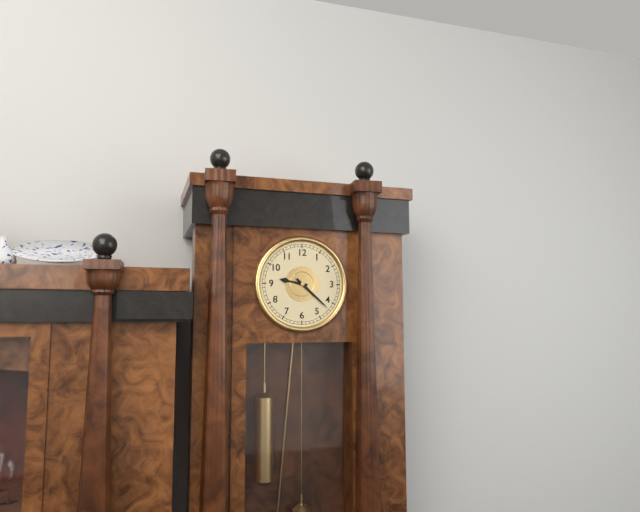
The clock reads 9:22
